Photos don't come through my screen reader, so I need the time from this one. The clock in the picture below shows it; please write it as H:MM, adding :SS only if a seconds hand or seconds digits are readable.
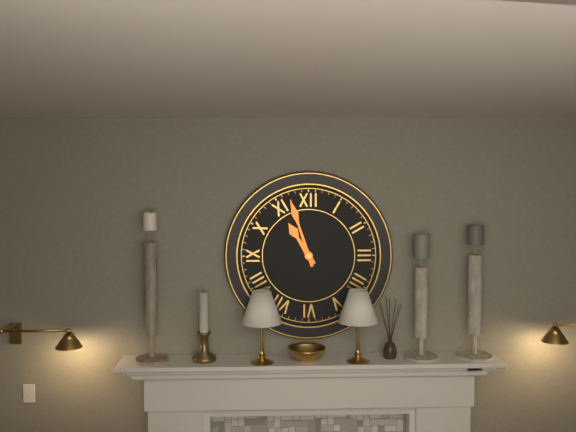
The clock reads 10:57
